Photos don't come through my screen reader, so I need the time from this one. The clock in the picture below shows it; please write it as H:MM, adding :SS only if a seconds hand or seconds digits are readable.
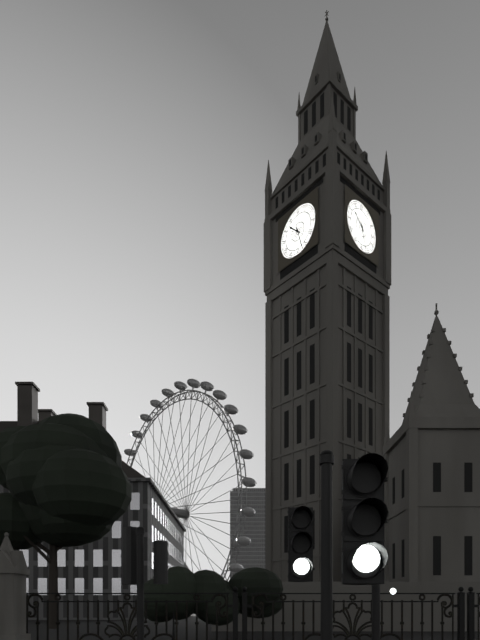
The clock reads 10:27
